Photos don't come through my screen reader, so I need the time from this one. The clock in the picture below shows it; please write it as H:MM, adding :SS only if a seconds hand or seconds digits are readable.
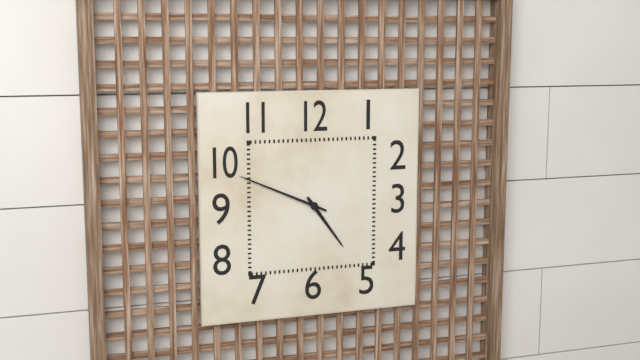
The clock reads 4:49
